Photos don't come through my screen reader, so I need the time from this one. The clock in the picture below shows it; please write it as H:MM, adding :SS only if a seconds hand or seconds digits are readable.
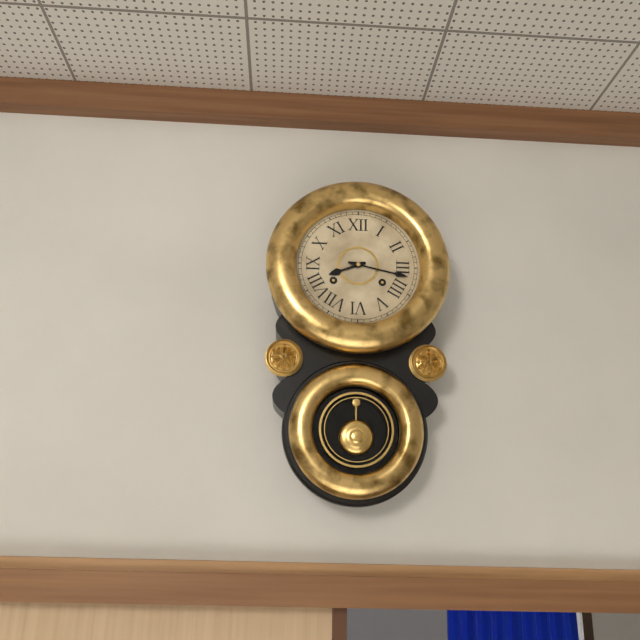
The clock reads 8:17
